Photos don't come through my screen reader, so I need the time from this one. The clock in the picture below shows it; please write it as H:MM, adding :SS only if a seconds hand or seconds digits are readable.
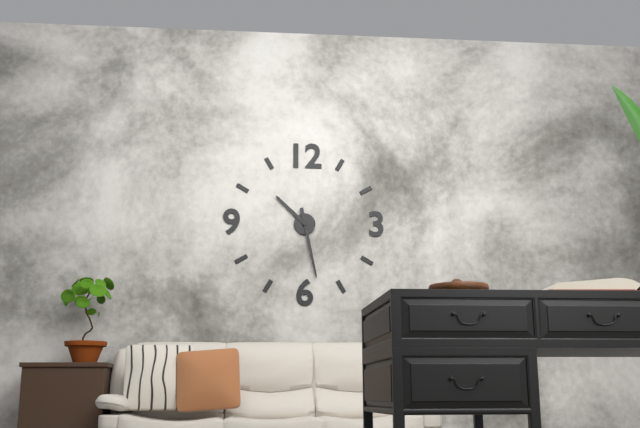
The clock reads 10:28
